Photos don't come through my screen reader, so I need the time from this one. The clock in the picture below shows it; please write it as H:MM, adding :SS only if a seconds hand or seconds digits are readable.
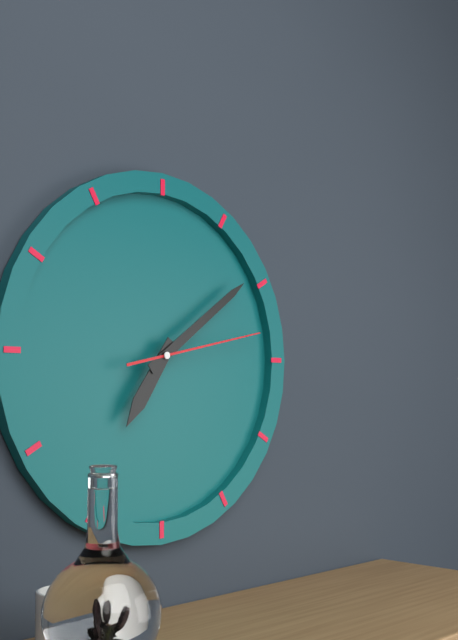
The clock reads 7:09:13
